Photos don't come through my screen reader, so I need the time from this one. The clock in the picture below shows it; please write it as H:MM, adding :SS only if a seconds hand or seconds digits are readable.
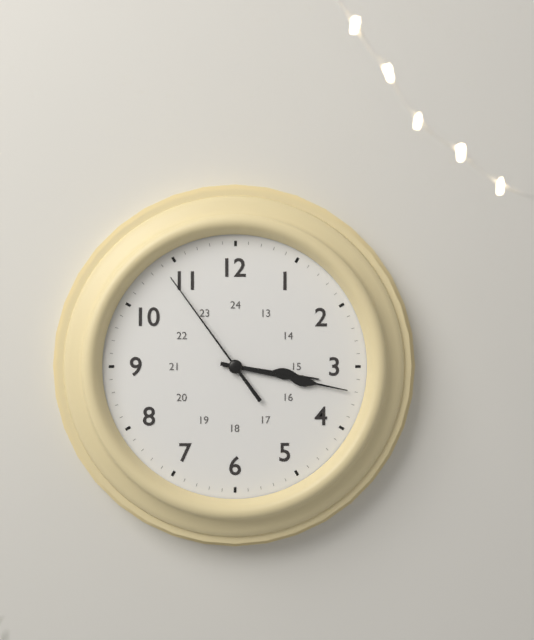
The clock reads 3:17:54
